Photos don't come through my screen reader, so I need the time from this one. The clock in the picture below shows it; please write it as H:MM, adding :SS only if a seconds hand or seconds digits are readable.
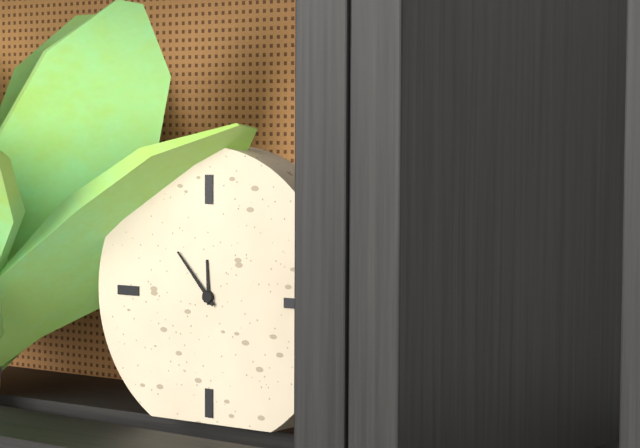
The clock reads 11:53
